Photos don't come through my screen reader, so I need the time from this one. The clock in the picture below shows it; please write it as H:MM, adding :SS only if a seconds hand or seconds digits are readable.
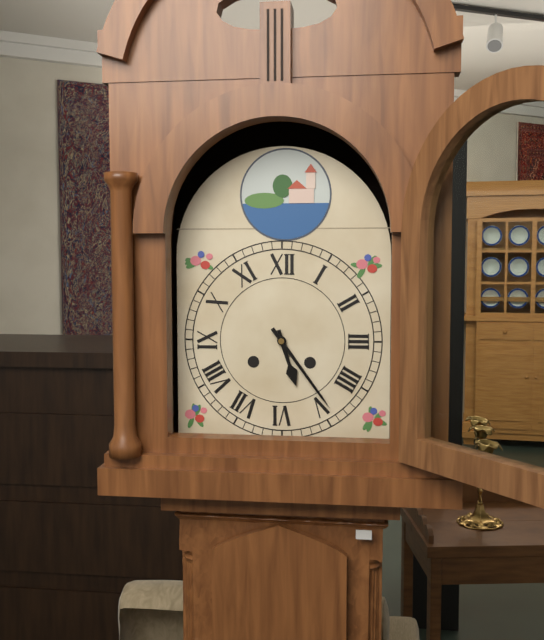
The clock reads 5:24
